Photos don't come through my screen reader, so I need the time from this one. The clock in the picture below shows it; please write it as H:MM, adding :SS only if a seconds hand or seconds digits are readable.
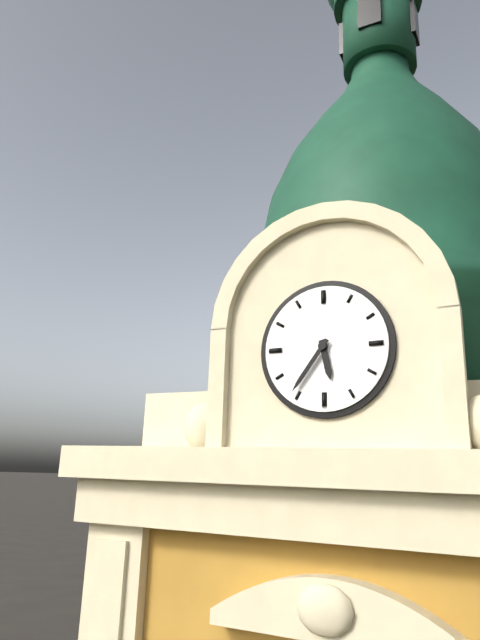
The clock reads 5:36
